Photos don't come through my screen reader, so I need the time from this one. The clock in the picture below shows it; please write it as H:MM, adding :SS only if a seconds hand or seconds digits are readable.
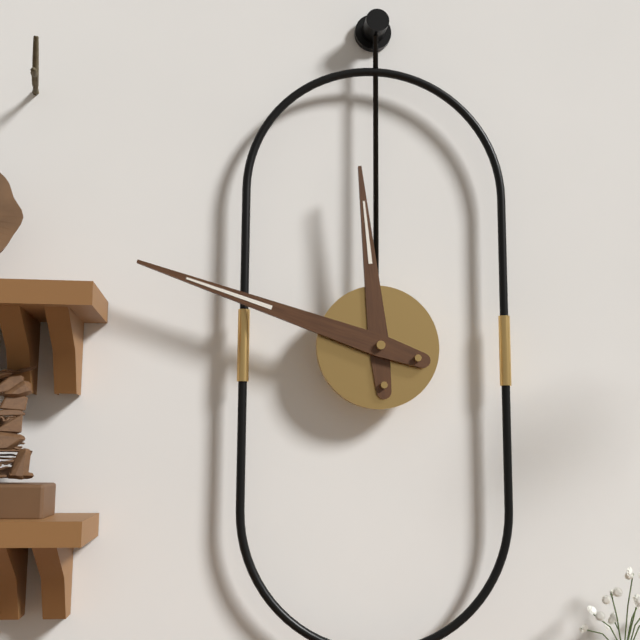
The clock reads 11:48
